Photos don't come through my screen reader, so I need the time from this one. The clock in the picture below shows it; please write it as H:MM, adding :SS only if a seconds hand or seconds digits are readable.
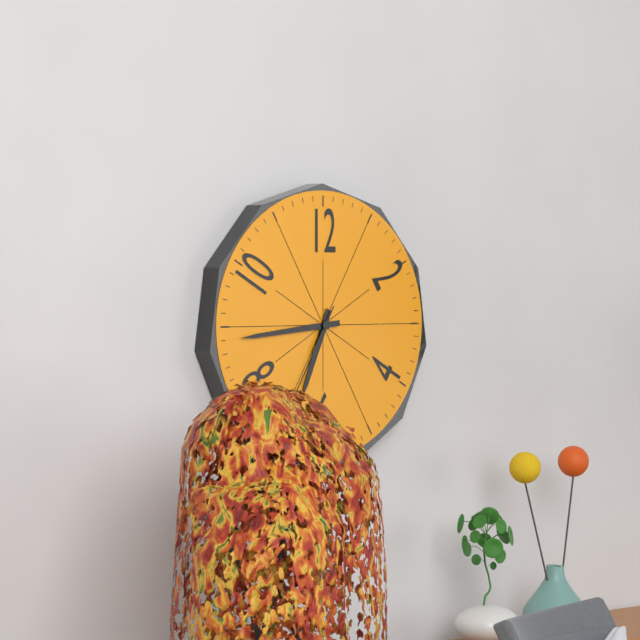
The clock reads 6:44
